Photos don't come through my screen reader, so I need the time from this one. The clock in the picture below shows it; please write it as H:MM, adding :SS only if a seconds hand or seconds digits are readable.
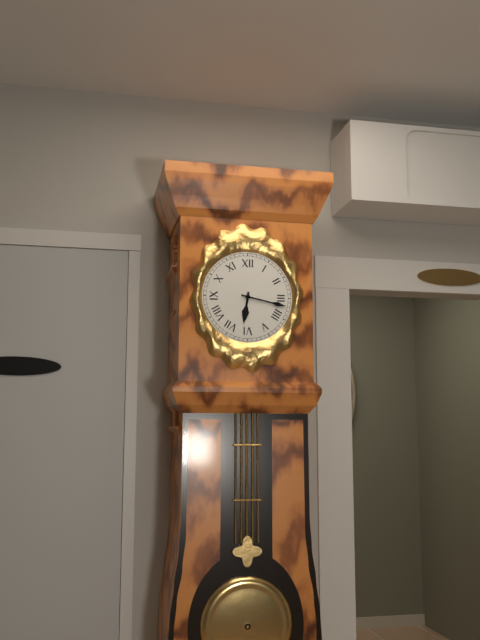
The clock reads 6:17
